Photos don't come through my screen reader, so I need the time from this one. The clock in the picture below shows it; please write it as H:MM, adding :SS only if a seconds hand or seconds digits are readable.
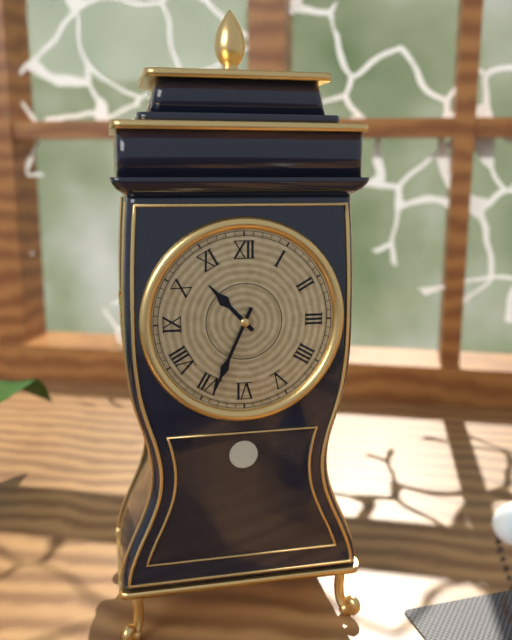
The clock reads 10:34
